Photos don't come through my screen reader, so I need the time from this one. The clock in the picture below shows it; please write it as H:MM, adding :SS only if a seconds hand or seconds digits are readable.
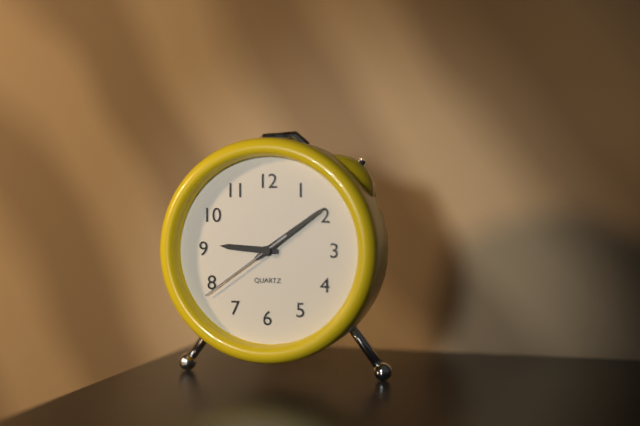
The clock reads 9:09:39
